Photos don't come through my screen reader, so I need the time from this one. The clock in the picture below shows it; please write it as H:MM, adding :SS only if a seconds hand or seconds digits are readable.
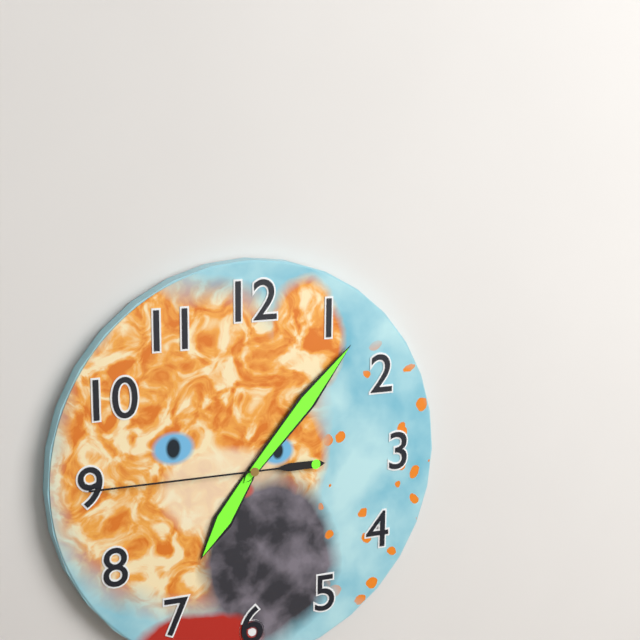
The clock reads 7:07:45
